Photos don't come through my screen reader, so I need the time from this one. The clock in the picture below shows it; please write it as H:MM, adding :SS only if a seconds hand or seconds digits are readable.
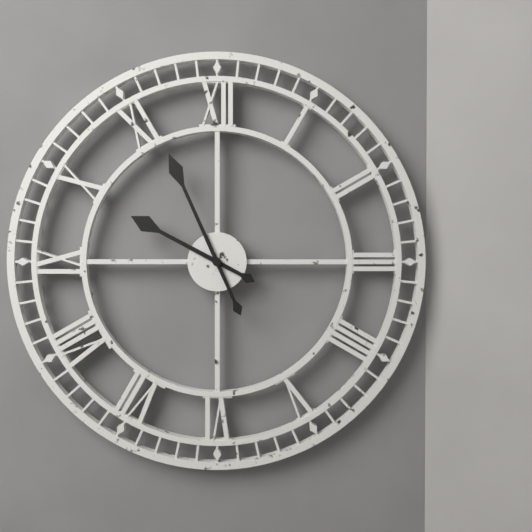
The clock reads 9:56
